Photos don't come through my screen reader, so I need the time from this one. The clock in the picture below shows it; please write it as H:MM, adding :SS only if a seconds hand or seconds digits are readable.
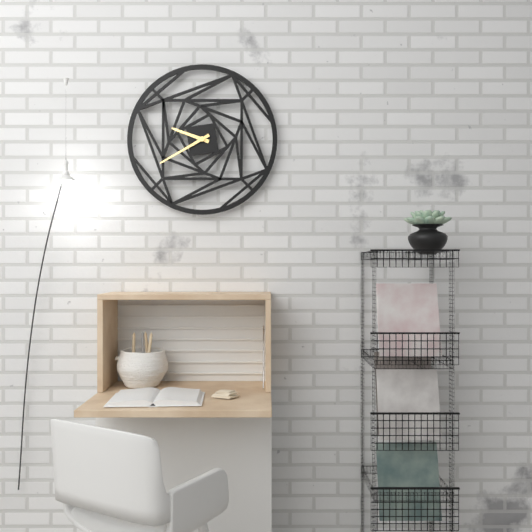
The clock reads 9:40
